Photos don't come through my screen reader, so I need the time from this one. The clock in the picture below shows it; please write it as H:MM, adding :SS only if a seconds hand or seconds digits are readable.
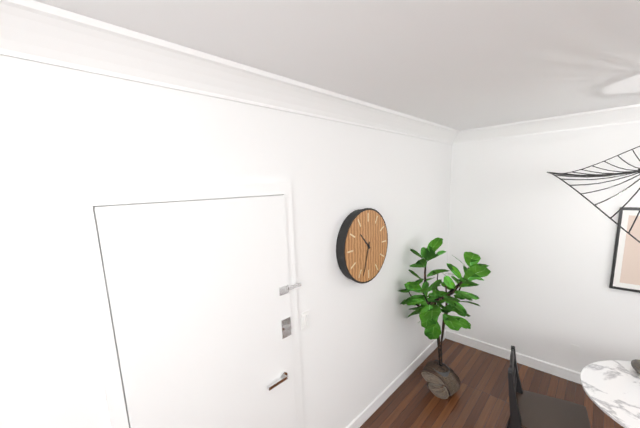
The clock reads 10:33
